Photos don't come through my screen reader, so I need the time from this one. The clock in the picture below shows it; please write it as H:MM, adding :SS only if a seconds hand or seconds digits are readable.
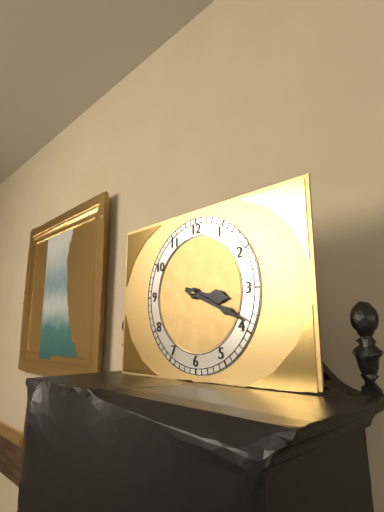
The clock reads 3:19
